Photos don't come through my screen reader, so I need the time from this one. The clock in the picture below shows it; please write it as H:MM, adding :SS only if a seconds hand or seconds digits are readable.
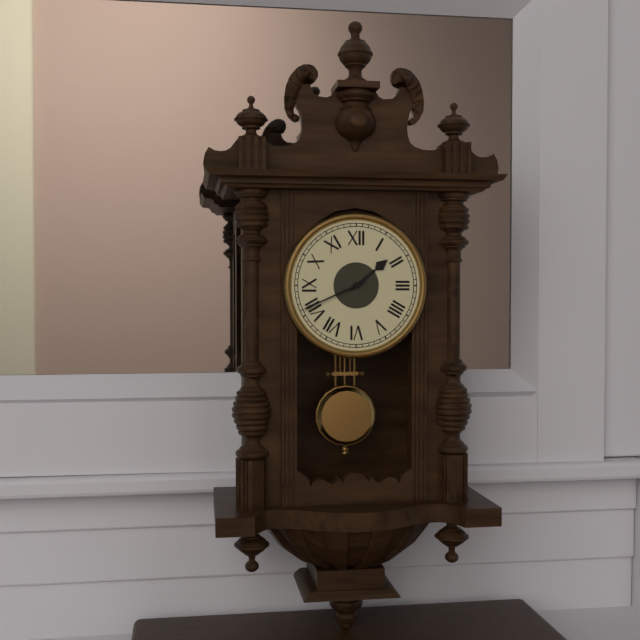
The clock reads 1:41
